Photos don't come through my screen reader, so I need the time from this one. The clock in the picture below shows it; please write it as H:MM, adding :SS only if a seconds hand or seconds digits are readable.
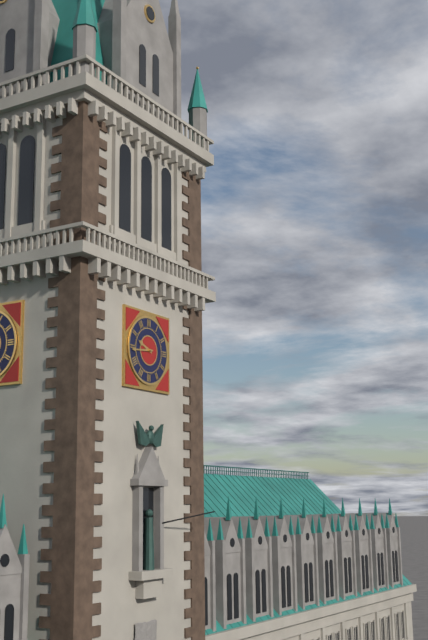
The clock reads 9:44
